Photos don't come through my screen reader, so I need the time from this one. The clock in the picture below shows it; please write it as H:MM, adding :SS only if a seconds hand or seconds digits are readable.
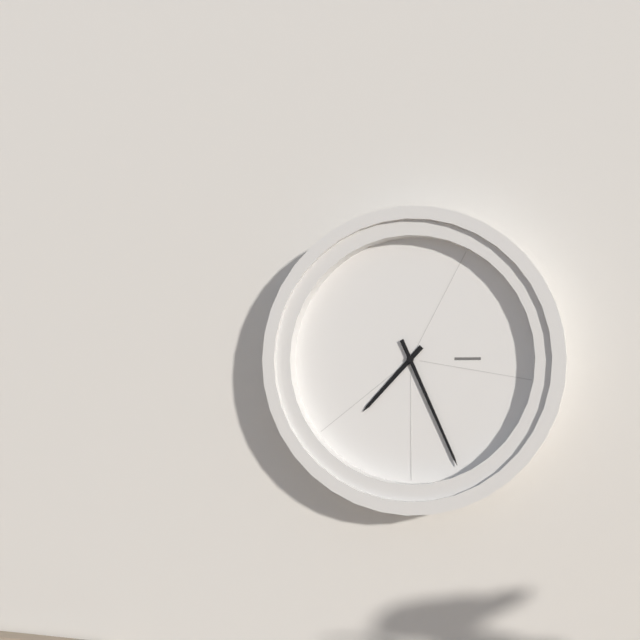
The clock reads 7:26
